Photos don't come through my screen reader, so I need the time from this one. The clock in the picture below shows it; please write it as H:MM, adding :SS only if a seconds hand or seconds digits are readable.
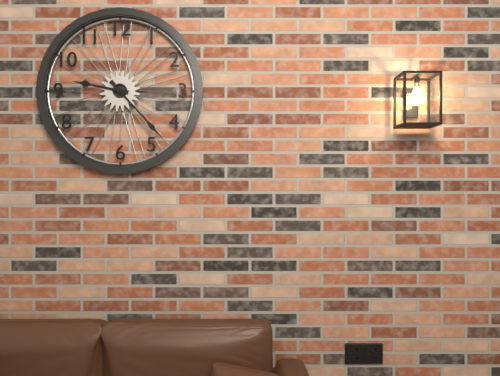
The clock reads 9:23
